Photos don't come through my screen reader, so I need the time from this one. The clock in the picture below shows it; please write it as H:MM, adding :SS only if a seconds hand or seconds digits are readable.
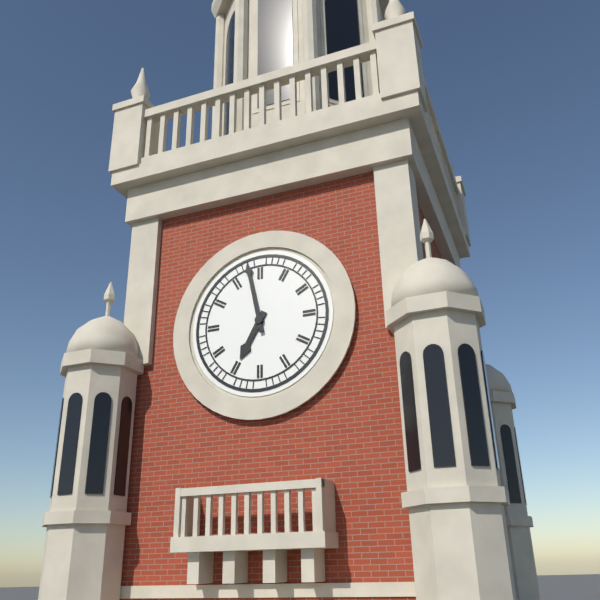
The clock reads 6:58
